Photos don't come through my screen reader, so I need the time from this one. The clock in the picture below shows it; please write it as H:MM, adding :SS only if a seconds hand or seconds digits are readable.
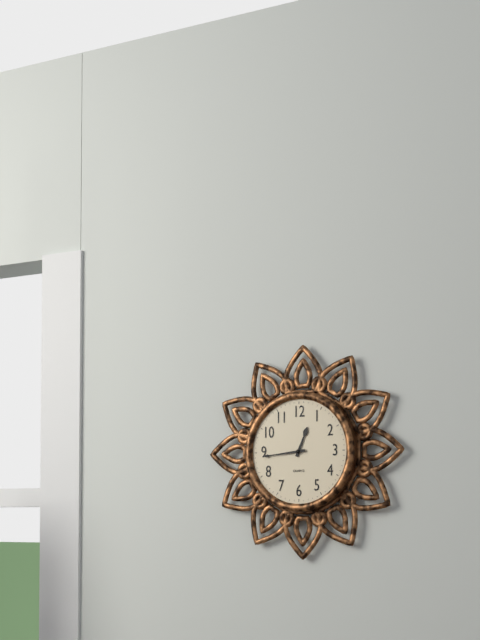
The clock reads 12:44
